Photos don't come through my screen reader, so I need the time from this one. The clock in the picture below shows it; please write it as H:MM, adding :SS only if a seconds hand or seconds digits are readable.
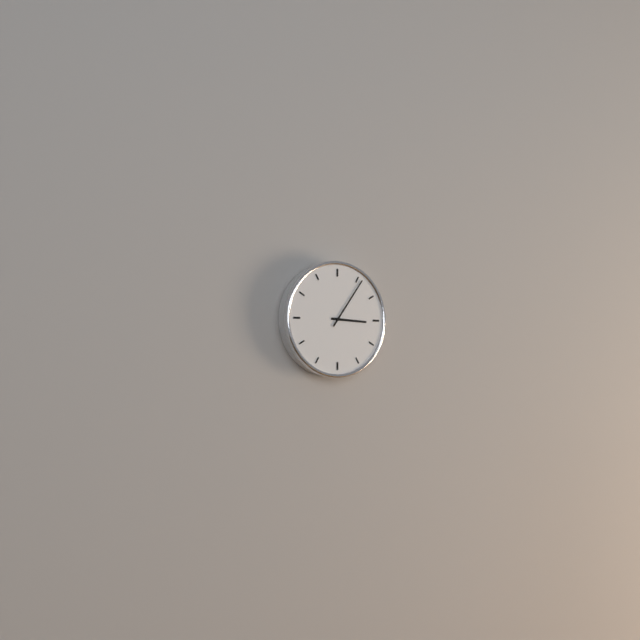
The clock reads 3:06
